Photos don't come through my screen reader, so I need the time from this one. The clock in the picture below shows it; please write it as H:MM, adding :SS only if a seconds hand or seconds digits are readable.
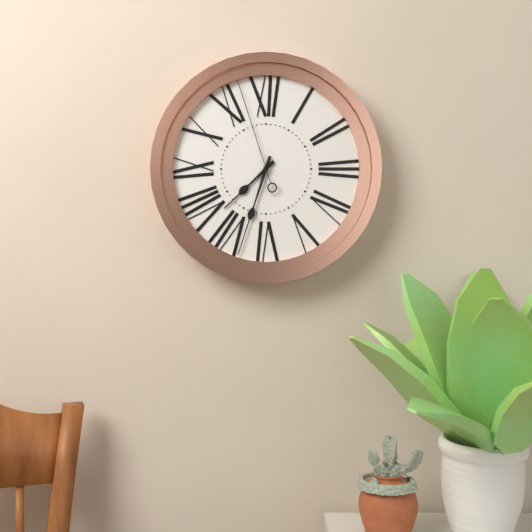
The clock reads 7:33:57
